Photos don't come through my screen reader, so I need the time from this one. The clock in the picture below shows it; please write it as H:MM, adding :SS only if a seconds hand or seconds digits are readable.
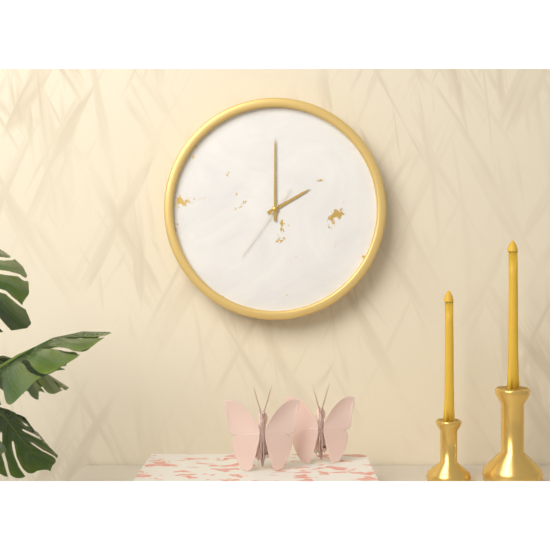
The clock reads 2:00:36
